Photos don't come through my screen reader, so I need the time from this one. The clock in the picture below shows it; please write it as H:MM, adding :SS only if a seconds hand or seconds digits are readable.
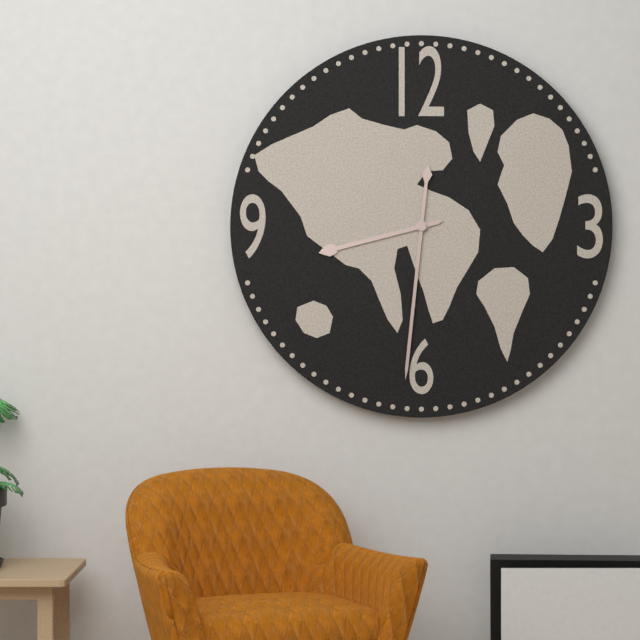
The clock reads 8:31
